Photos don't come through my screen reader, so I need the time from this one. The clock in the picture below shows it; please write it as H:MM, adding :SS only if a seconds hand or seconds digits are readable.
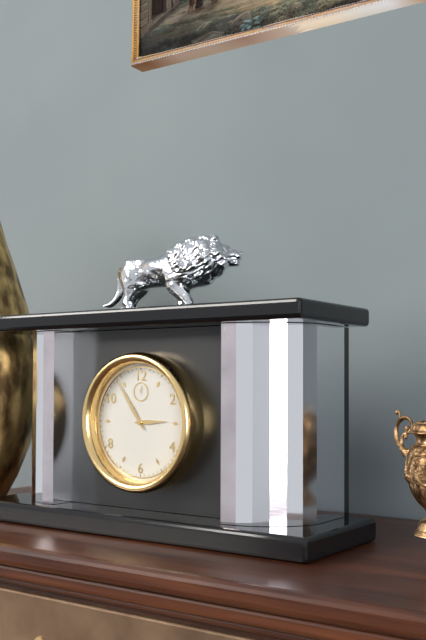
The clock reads 2:54
